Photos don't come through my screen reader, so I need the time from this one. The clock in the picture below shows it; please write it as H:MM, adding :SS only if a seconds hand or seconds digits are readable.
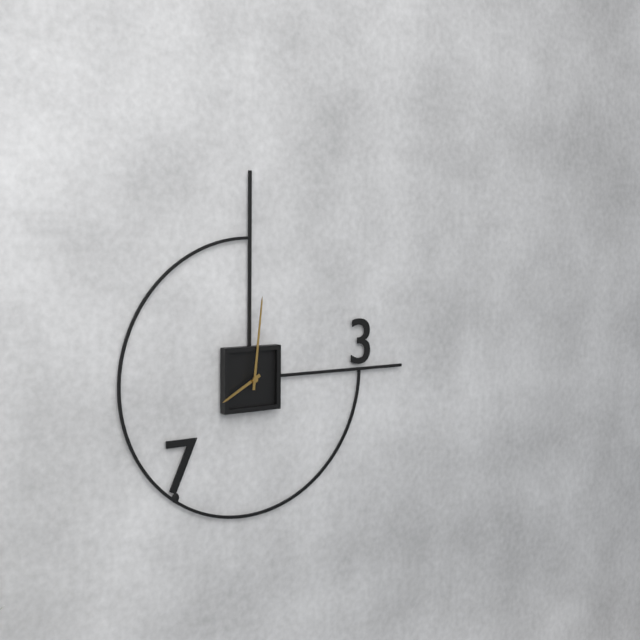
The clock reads 8:01
